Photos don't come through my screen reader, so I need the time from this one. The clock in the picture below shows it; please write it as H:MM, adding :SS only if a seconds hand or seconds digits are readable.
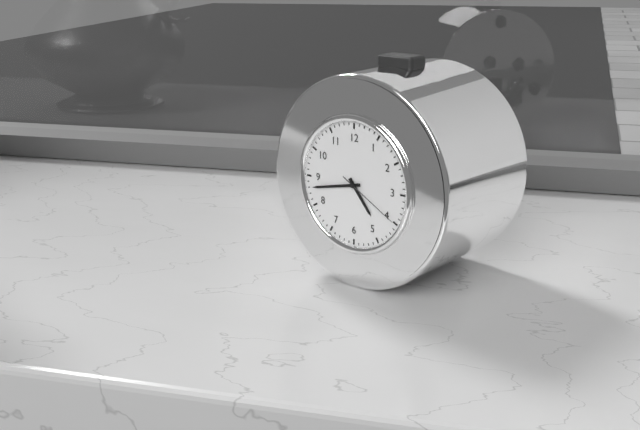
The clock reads 4:43:20
